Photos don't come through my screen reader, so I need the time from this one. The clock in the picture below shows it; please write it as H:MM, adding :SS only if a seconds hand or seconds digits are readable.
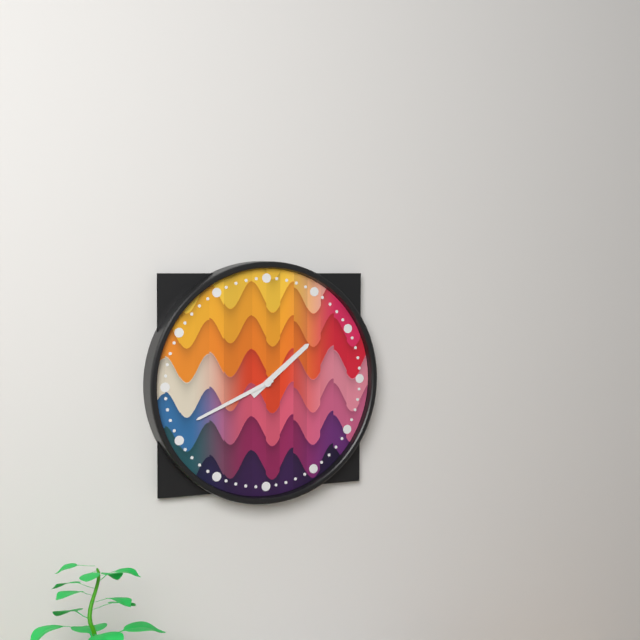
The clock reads 1:41
